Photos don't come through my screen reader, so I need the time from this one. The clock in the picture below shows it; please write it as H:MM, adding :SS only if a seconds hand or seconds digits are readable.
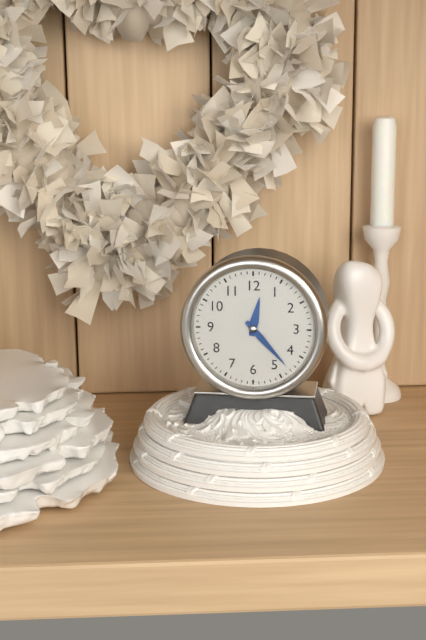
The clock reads 12:23
